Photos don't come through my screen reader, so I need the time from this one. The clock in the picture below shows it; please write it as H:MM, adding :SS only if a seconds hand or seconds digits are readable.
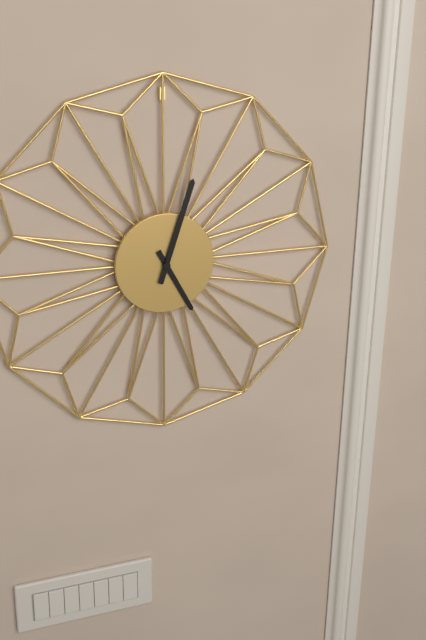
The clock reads 5:03
